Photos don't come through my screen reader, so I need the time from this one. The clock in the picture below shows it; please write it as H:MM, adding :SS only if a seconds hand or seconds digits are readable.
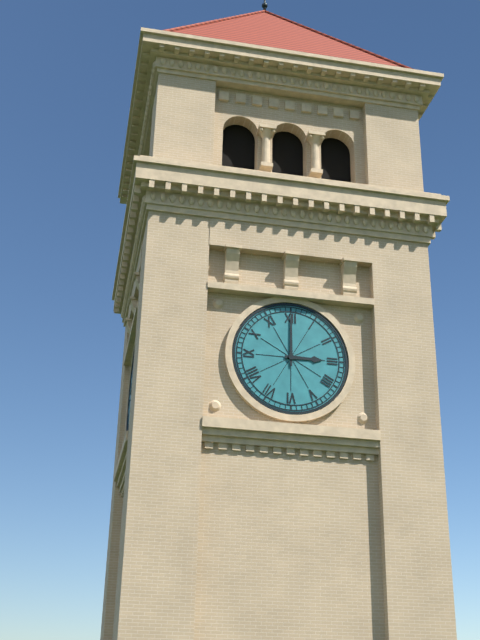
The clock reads 3:00
